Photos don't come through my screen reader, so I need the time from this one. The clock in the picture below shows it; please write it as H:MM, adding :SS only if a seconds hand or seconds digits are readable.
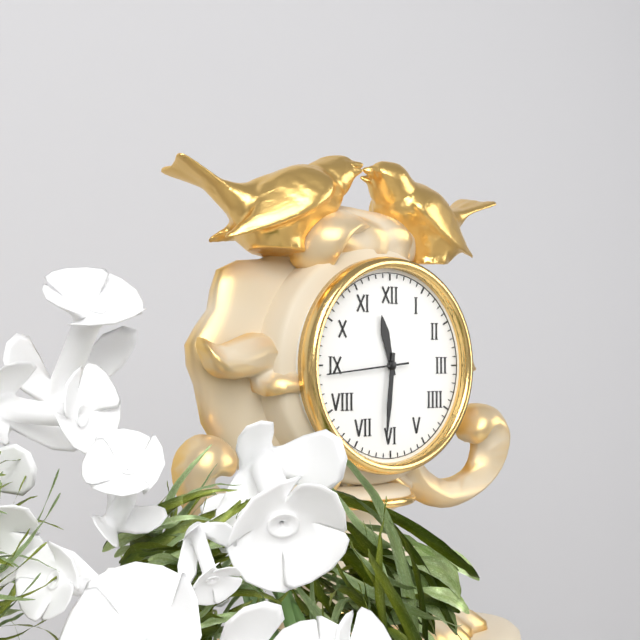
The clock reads 11:31:44
